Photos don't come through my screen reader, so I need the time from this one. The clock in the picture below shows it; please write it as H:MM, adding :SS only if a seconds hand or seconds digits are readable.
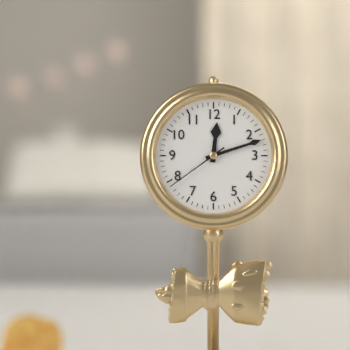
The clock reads 12:12:39
